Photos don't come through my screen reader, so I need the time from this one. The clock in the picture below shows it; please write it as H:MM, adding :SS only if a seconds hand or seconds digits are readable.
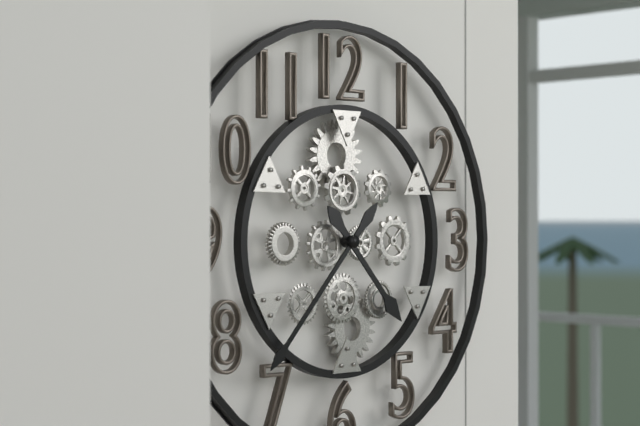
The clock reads 4:37
